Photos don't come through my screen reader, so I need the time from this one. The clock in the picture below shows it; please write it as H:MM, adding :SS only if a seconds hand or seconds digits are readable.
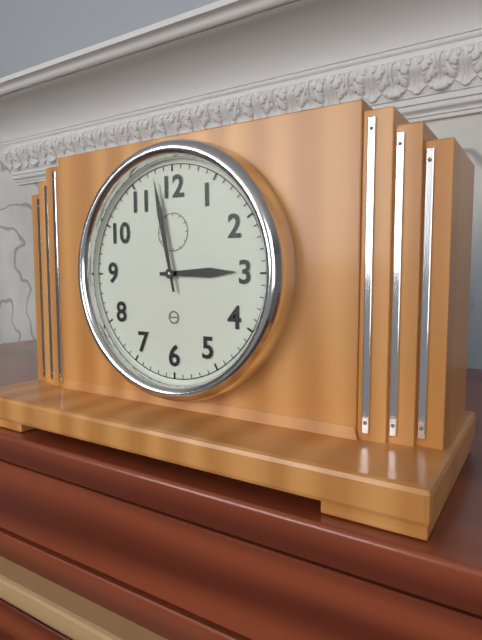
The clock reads 2:58
